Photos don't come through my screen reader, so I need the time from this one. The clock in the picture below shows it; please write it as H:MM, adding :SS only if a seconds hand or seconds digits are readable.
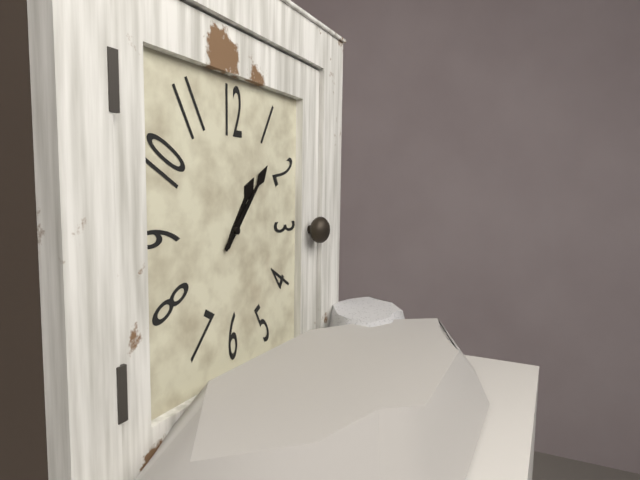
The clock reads 1:07
